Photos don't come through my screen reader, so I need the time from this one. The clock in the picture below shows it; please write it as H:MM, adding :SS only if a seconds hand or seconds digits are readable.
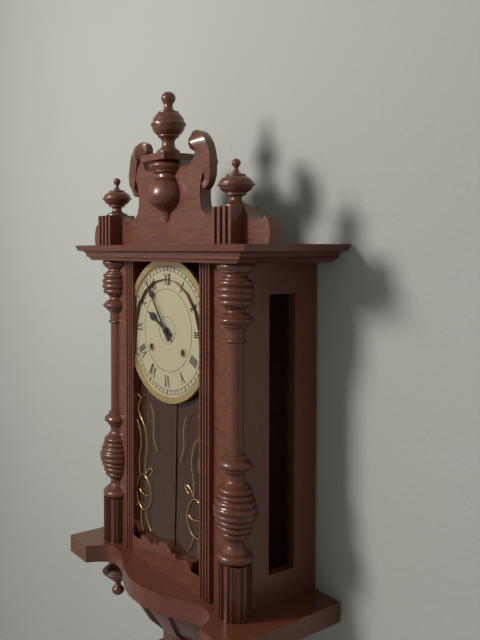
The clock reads 9:54
